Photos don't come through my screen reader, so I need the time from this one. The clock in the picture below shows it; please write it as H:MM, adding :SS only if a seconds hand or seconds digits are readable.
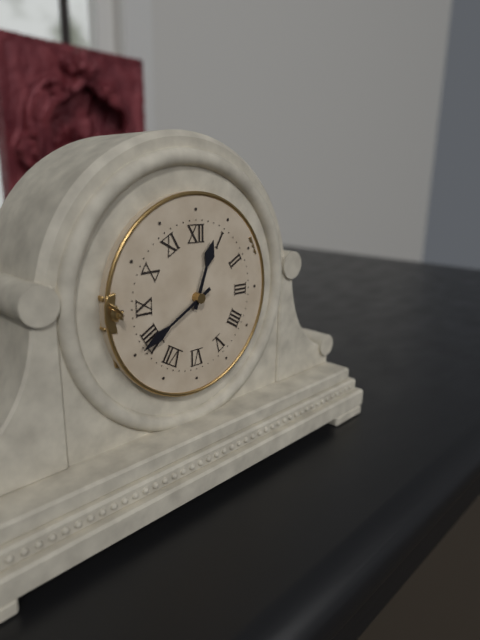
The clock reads 12:40
